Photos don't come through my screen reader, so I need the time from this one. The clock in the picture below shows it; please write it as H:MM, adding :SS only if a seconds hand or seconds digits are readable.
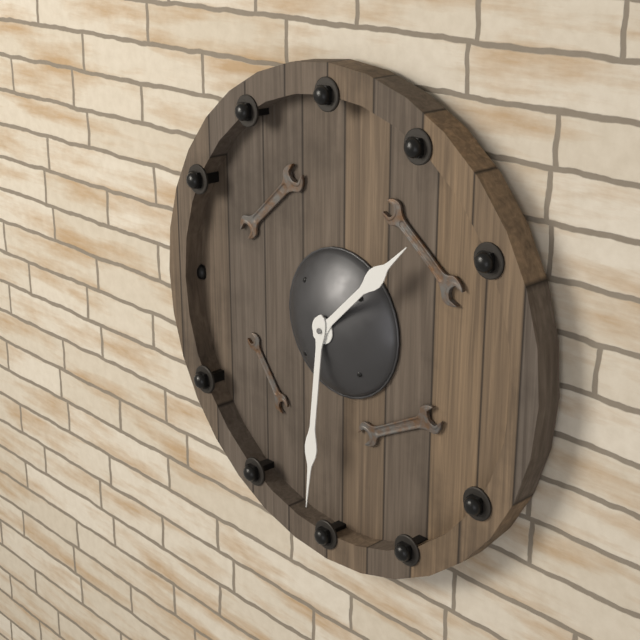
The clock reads 1:31
